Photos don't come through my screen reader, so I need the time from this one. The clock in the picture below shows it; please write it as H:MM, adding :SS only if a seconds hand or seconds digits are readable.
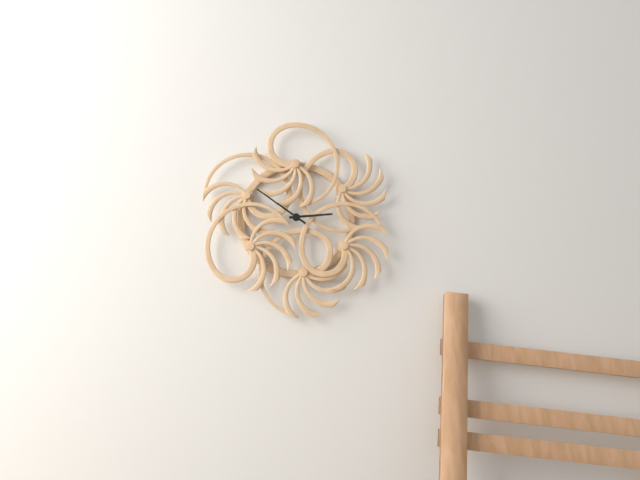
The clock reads 2:51
